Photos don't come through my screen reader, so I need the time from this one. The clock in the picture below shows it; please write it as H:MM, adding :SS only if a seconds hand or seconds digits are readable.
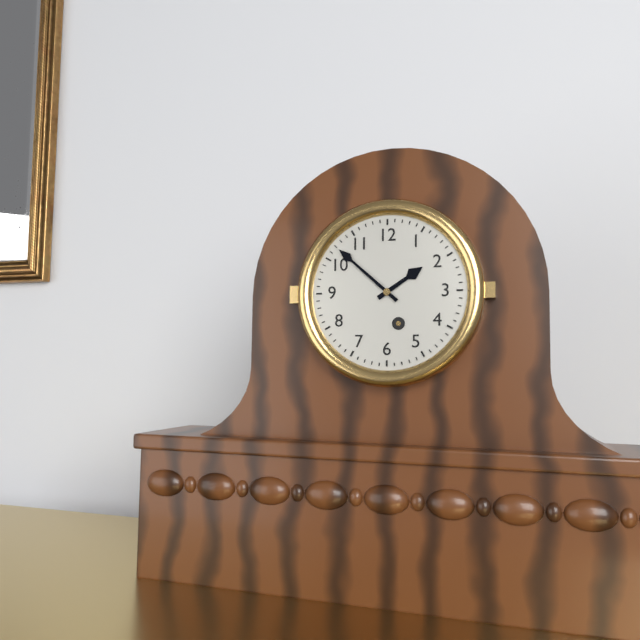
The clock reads 1:52
